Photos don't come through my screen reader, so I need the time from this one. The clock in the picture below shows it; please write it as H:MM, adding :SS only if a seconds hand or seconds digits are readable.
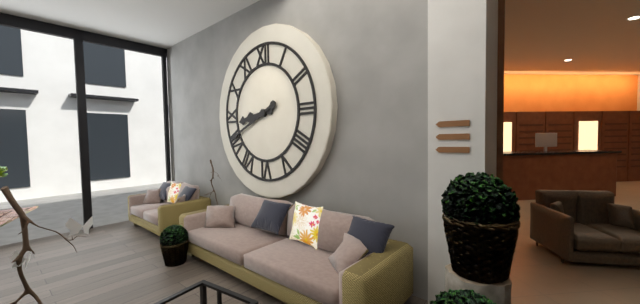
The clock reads 8:41
